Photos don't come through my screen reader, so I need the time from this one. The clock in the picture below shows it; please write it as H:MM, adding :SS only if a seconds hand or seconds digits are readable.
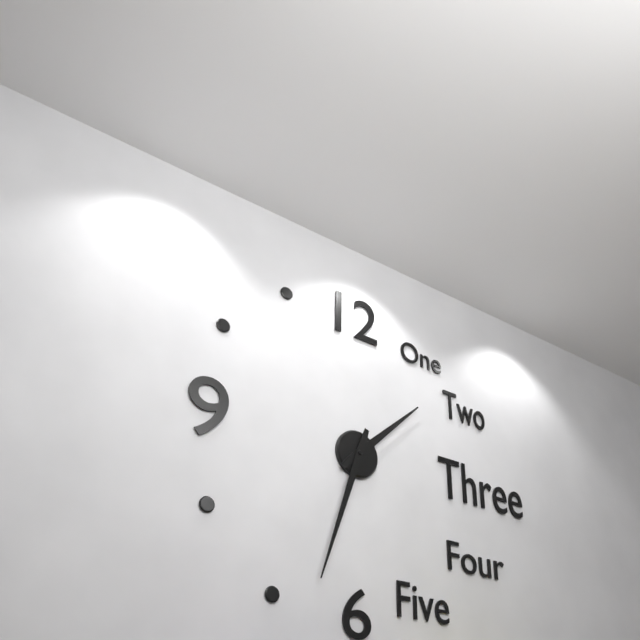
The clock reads 1:33
